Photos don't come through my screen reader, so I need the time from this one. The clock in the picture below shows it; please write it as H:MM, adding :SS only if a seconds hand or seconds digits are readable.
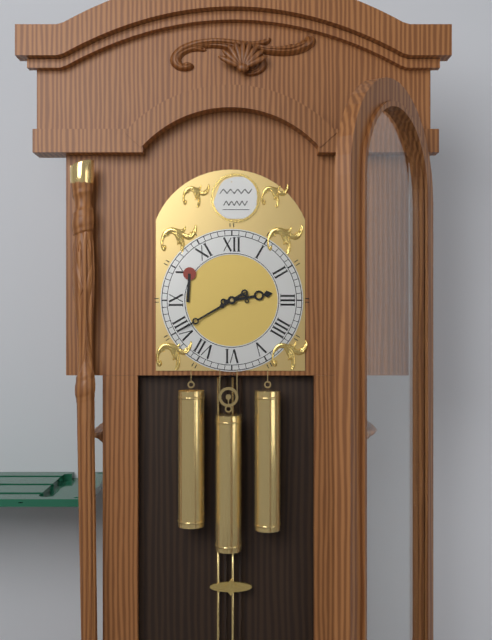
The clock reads 2:40
